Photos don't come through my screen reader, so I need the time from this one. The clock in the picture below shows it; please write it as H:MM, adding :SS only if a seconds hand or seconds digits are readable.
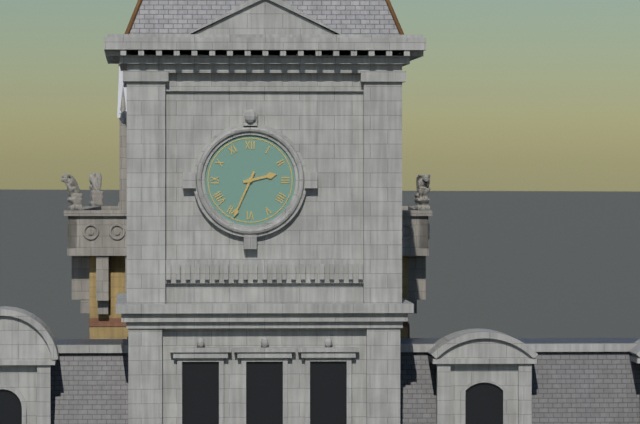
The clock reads 2:34
